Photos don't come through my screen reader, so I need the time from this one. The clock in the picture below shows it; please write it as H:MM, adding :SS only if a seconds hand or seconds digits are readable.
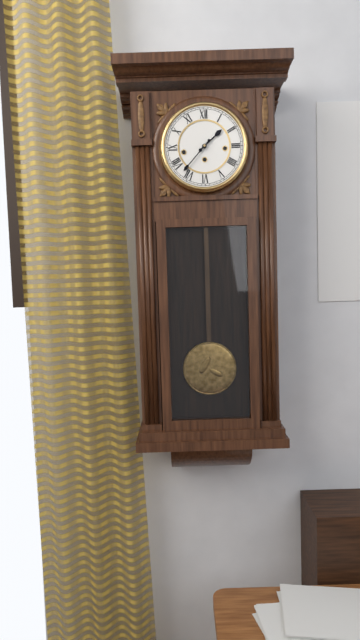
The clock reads 1:37
